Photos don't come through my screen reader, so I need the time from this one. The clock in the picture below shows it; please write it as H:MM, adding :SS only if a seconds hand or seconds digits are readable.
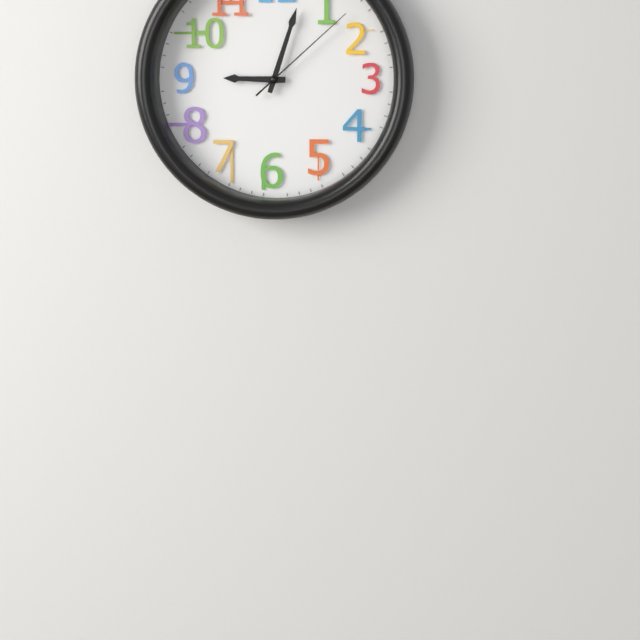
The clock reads 9:03:08
